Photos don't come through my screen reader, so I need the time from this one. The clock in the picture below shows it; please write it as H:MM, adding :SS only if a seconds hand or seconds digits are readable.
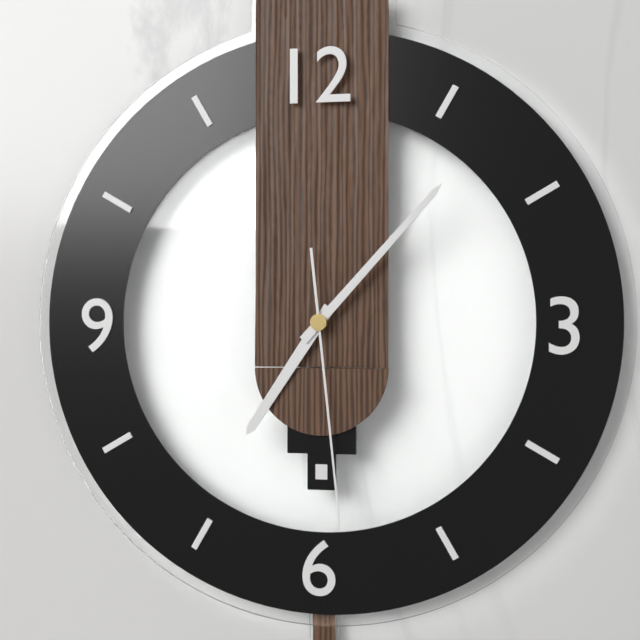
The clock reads 7:07:29
